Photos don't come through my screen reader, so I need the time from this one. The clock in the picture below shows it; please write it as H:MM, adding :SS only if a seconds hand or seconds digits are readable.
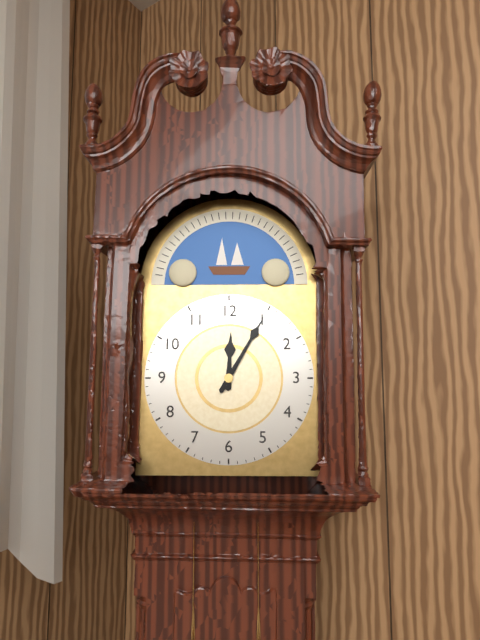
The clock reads 12:05
